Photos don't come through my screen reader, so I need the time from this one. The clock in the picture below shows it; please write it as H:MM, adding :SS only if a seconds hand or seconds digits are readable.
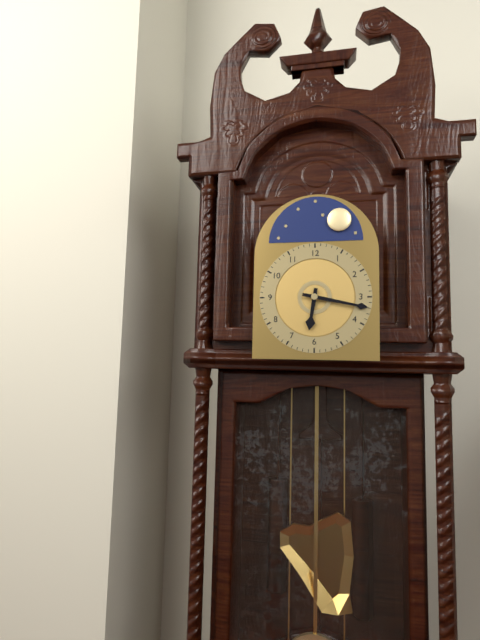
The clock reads 6:17
